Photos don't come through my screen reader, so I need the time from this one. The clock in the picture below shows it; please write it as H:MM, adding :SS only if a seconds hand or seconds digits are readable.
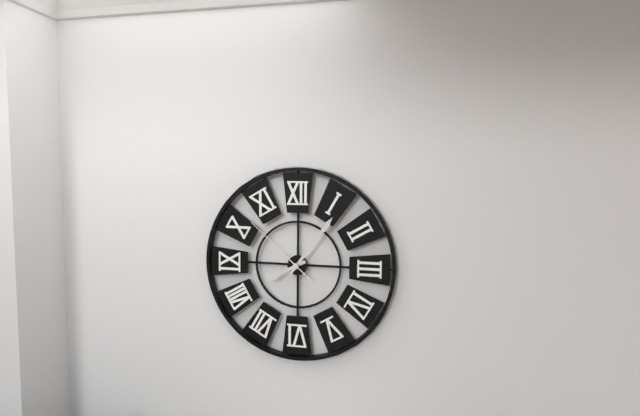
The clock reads 8:06:52
